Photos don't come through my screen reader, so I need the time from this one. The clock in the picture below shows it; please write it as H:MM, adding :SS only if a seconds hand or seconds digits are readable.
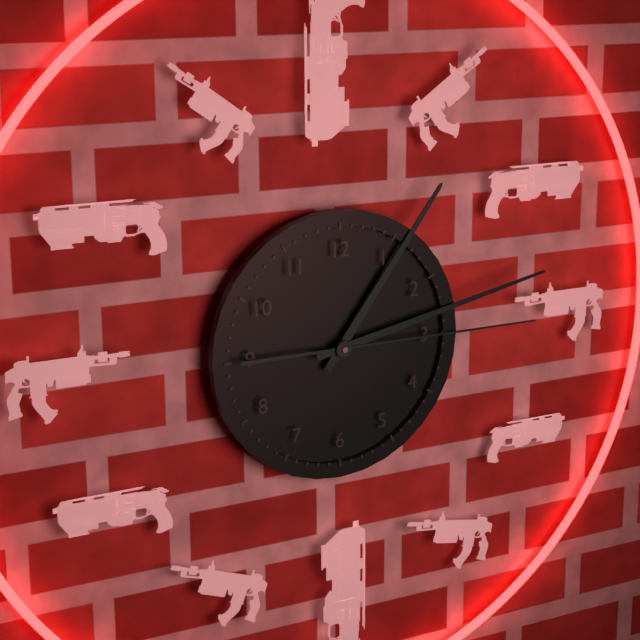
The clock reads 1:13:15
